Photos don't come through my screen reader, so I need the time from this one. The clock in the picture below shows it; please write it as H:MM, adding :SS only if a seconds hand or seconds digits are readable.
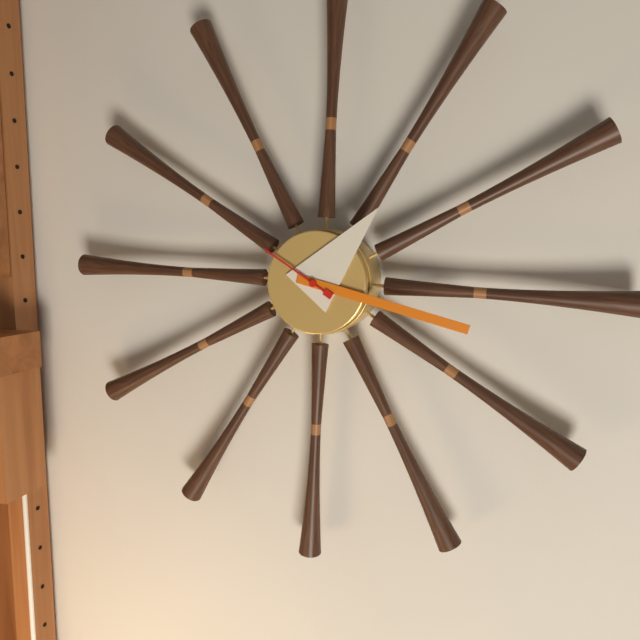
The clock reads 1:17:50
